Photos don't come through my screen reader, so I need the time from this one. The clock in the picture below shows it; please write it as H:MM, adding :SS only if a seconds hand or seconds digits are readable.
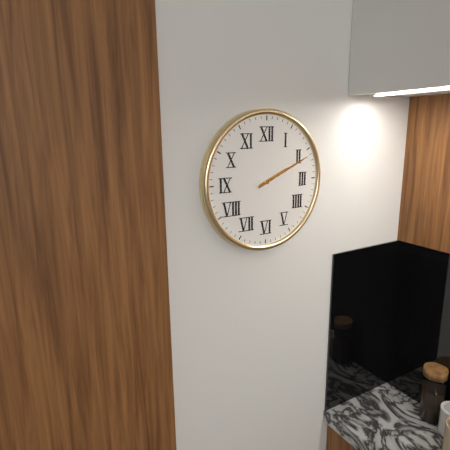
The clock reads 2:11
